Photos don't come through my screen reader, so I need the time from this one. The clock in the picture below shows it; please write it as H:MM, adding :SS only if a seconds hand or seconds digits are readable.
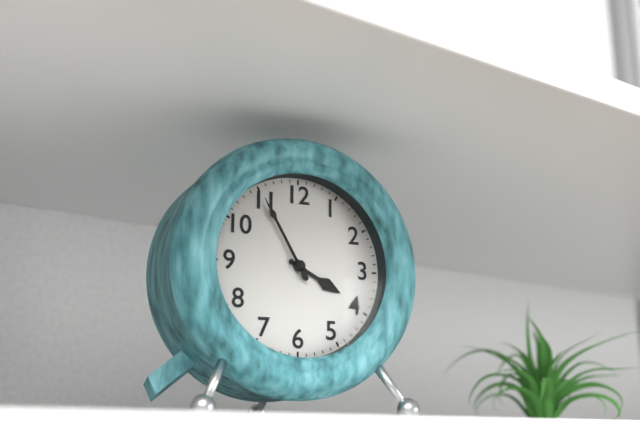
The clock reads 3:55
